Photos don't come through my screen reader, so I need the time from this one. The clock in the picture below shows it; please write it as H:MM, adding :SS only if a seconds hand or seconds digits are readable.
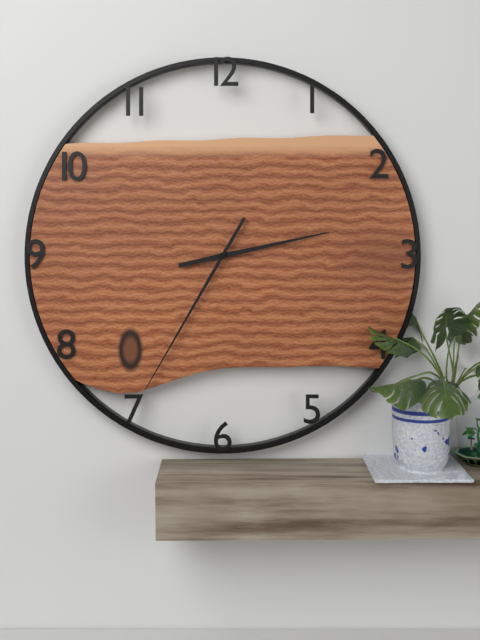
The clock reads 2:35
